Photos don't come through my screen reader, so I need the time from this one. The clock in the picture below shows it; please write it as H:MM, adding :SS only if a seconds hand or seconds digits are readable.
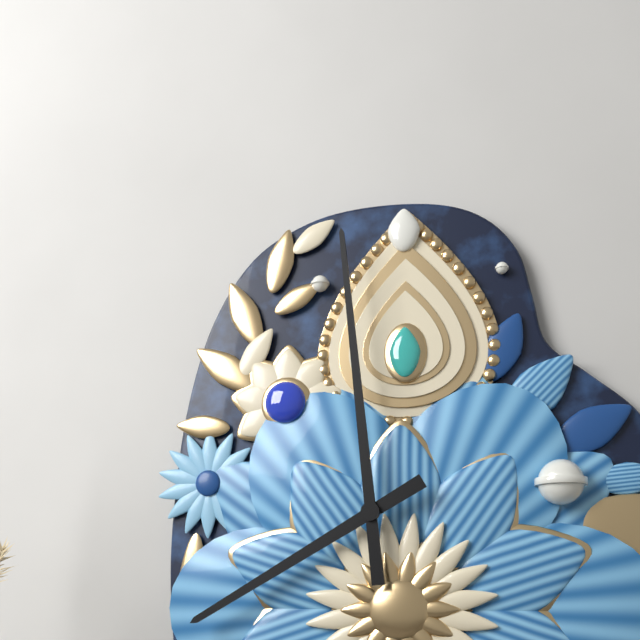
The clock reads 7:59
